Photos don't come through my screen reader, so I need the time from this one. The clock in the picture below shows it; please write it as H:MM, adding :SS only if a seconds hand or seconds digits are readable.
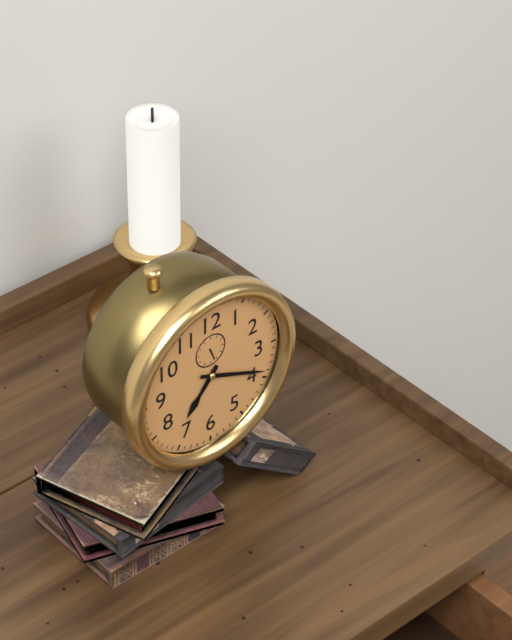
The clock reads 7:19
